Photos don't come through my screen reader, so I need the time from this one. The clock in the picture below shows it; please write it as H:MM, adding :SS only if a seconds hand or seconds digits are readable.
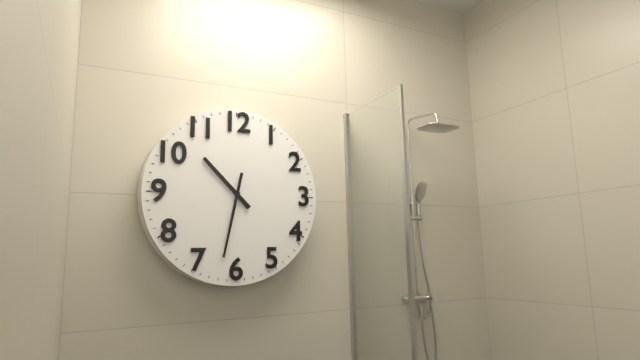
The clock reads 10:32
